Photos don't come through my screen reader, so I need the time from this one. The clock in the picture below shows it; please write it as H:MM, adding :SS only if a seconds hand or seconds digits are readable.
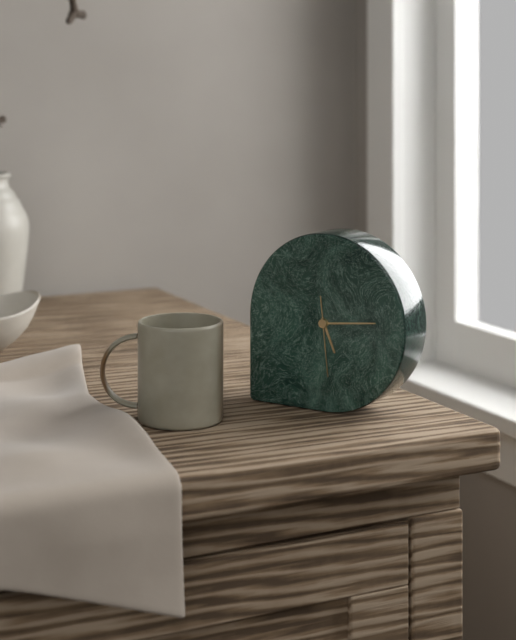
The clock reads 5:14:29
